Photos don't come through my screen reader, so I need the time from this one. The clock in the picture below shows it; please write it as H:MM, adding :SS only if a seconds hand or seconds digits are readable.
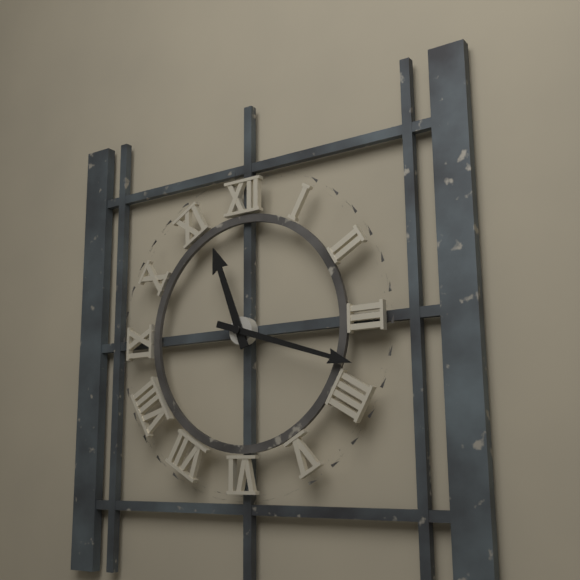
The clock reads 11:18
